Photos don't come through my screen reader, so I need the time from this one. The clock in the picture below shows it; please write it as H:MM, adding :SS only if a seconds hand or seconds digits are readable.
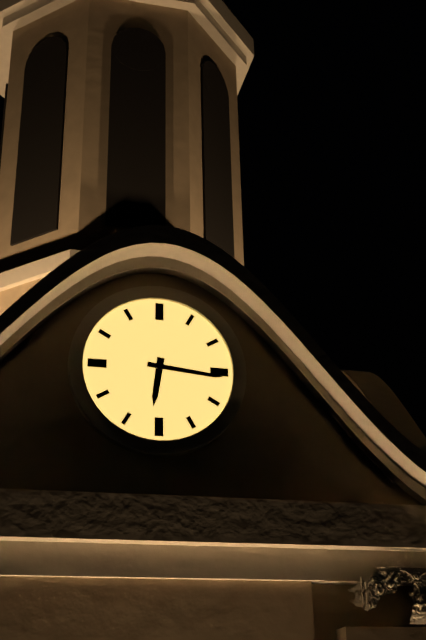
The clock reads 6:16
